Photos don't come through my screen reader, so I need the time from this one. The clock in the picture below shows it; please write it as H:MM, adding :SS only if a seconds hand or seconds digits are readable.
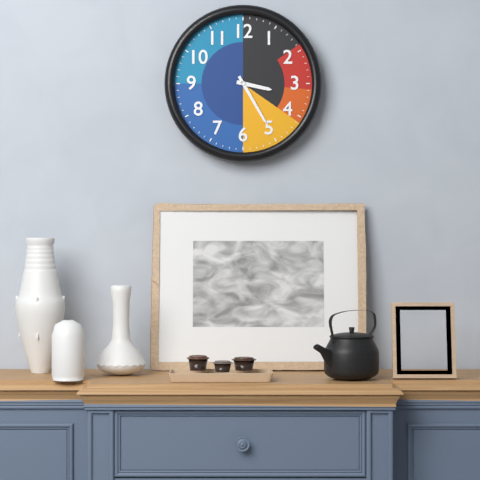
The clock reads 3:25
